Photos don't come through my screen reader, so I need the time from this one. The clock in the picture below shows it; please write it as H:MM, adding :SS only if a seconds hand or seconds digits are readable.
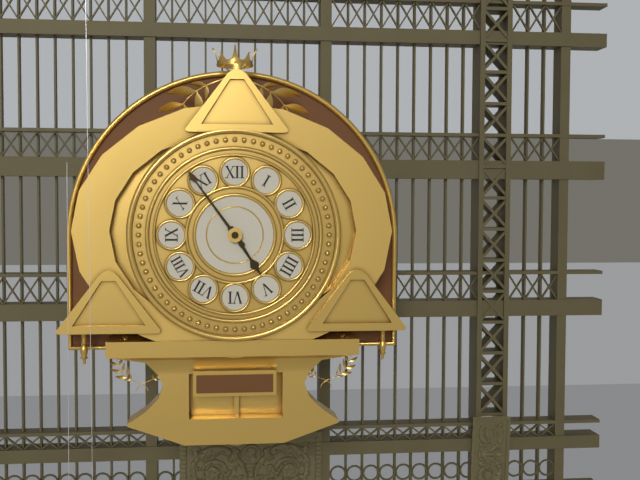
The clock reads 4:54
